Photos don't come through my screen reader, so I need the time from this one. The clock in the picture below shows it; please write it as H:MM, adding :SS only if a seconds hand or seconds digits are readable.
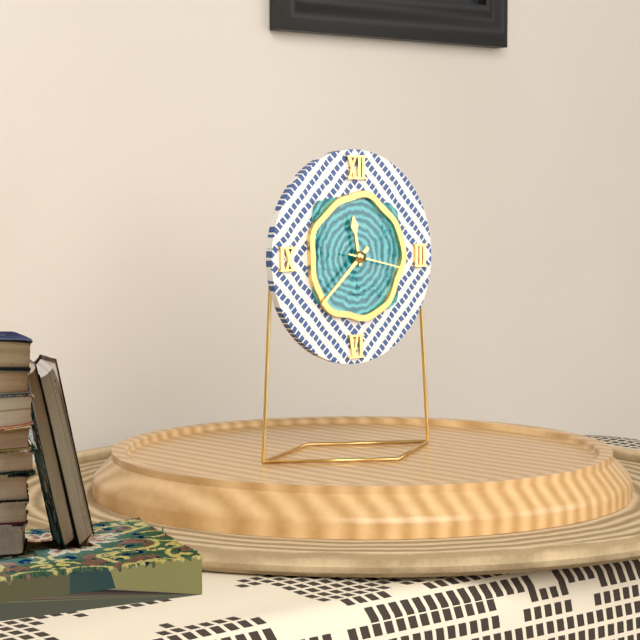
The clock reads 11:38:17
